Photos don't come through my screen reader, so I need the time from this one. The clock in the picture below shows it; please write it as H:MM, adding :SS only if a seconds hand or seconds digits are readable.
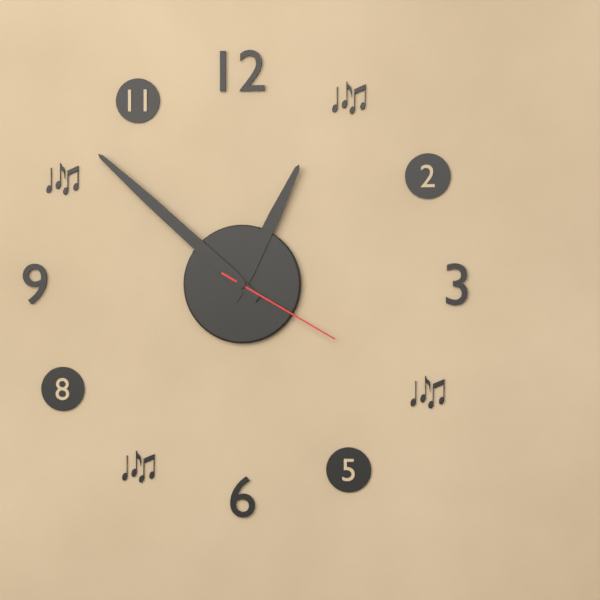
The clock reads 12:52:20
